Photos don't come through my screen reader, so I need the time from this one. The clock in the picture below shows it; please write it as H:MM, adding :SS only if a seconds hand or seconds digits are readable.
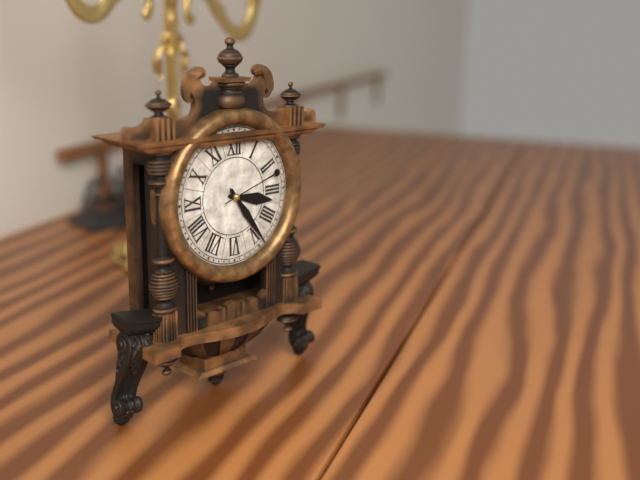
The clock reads 3:24:12
